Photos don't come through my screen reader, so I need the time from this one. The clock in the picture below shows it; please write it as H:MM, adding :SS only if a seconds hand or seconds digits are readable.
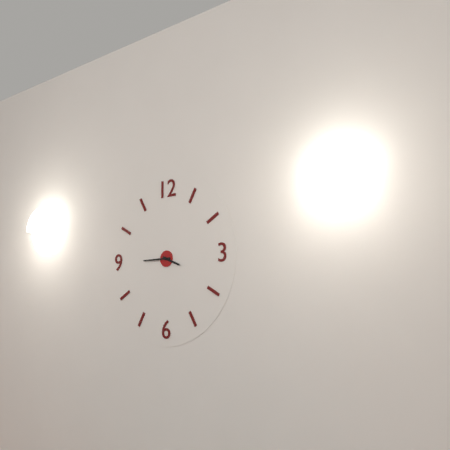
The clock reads 3:45
